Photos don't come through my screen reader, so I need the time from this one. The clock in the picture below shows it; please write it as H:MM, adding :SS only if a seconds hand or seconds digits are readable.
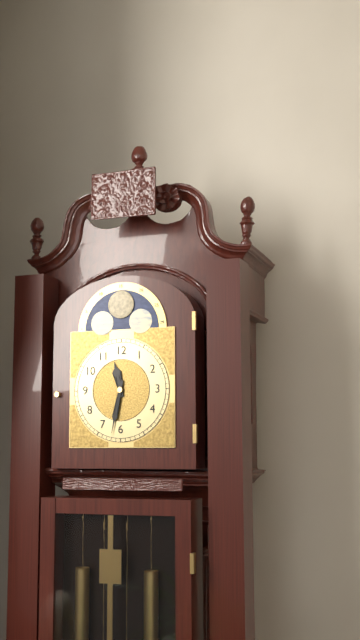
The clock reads 11:32
